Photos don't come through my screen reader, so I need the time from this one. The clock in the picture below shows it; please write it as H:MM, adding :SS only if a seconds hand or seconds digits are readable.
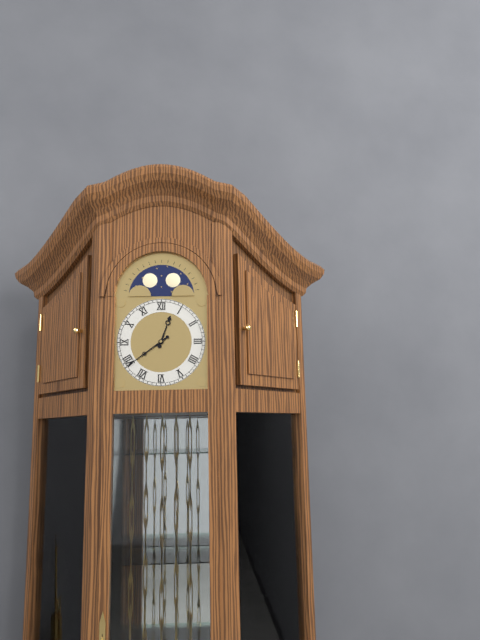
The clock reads 12:39
